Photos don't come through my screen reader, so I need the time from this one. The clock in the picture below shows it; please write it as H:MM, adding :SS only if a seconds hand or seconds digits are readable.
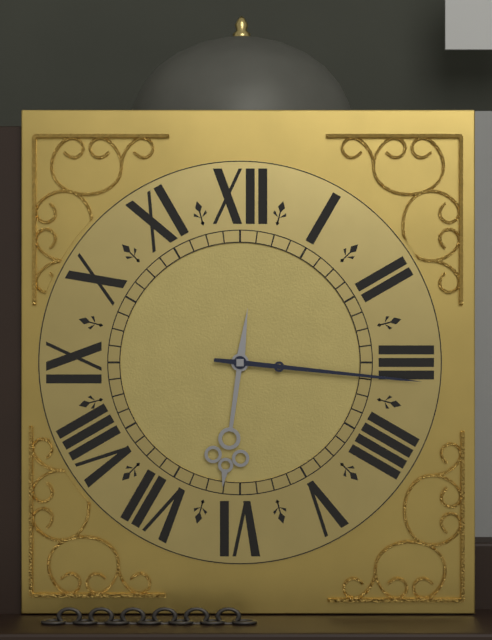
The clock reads 6:16
